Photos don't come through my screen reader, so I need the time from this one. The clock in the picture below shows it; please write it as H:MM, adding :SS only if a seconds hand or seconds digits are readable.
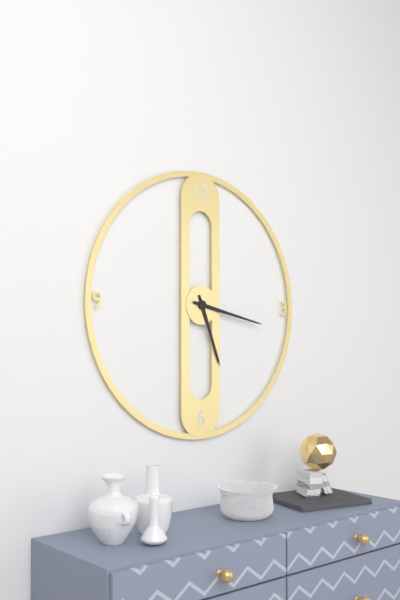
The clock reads 5:17
